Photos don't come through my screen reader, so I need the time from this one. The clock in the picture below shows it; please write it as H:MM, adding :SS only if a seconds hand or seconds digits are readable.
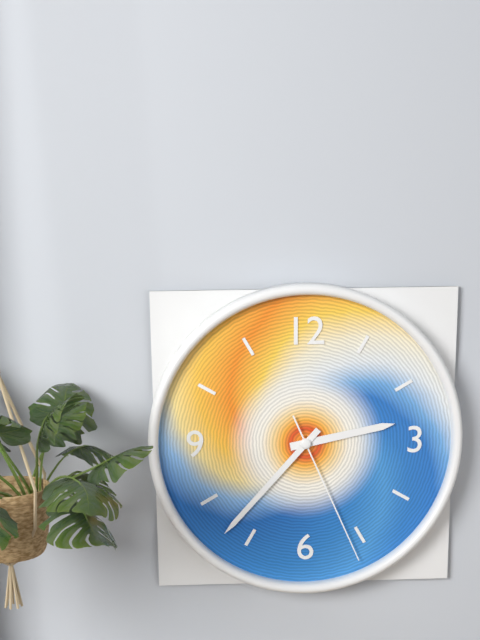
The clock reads 2:37:26
